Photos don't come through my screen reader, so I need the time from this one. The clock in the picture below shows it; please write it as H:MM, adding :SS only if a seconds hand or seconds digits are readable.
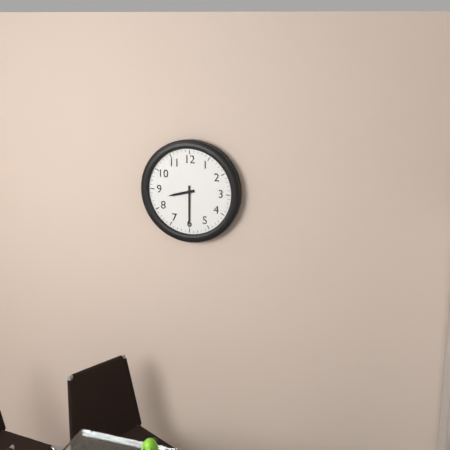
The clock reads 8:30
